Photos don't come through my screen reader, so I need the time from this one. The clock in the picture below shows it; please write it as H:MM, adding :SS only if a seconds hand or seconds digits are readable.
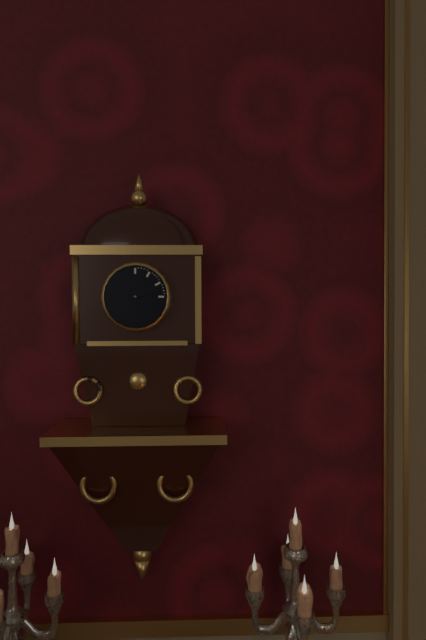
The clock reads 9:13
